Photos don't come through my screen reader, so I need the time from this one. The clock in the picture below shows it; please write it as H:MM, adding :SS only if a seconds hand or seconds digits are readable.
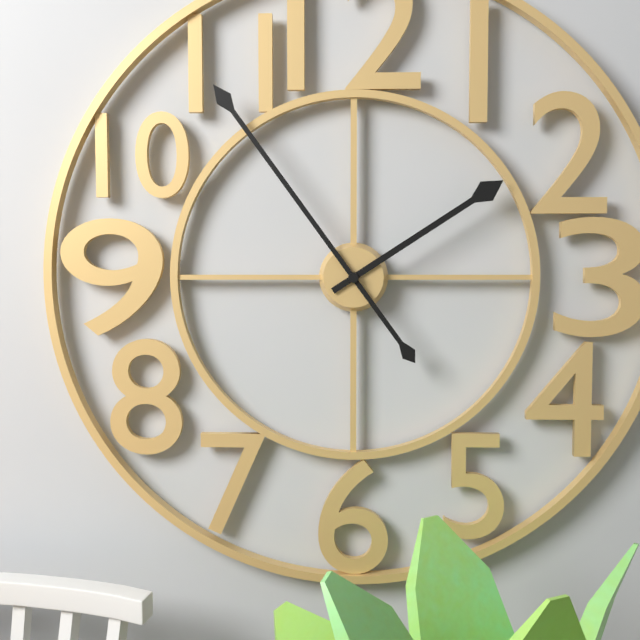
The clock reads 1:54
